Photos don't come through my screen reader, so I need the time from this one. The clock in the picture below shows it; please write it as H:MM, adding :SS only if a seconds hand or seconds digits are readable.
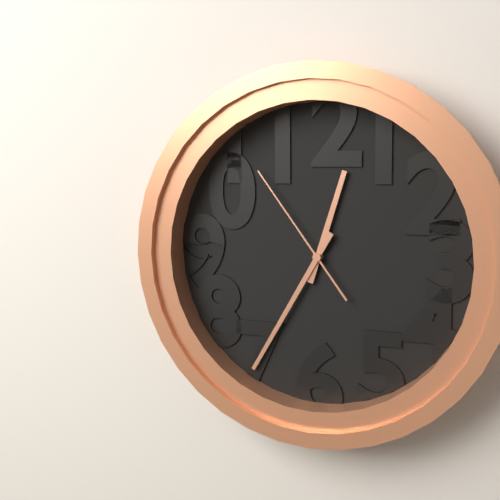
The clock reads 12:35:54
